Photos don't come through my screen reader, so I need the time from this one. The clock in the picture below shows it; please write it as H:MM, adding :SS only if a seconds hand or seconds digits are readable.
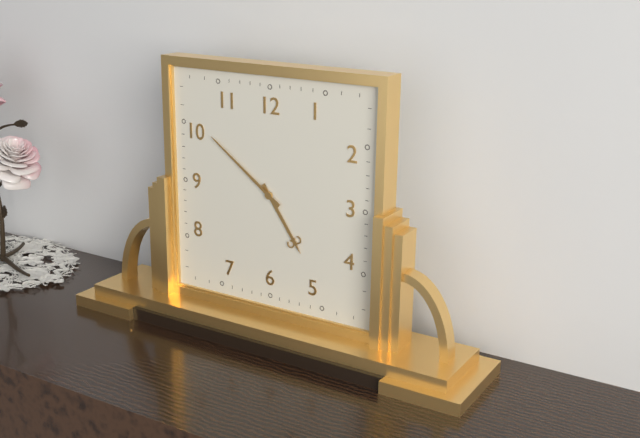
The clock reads 4:51
